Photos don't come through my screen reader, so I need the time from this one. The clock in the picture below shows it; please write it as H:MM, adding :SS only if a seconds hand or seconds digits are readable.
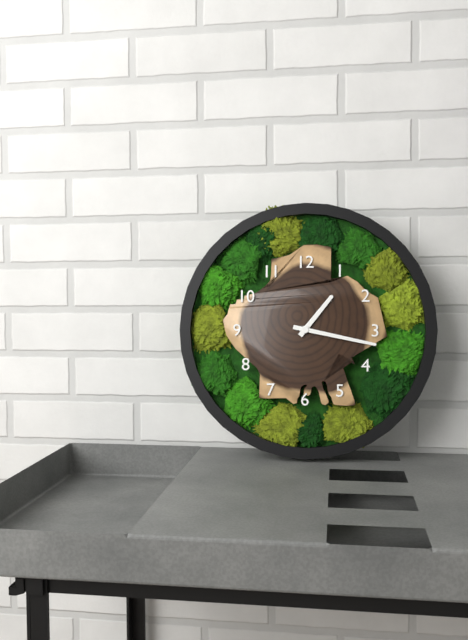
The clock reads 1:17
